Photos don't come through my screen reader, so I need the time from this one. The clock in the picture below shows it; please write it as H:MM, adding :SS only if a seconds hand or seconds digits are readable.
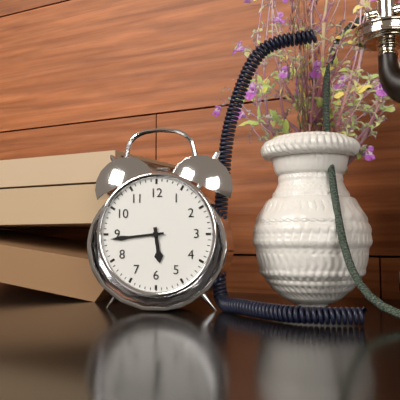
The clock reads 5:44
